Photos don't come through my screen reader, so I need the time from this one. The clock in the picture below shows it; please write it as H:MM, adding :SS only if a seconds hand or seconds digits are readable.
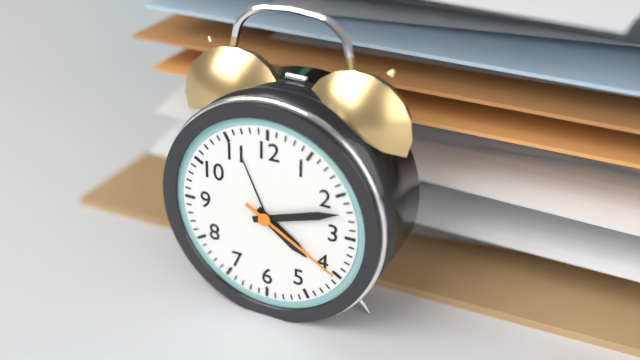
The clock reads 4:12:20
